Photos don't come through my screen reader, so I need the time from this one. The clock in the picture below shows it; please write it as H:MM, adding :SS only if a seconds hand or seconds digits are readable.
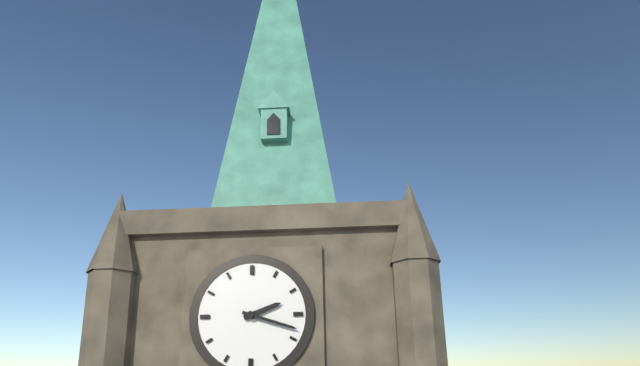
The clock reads 2:18
